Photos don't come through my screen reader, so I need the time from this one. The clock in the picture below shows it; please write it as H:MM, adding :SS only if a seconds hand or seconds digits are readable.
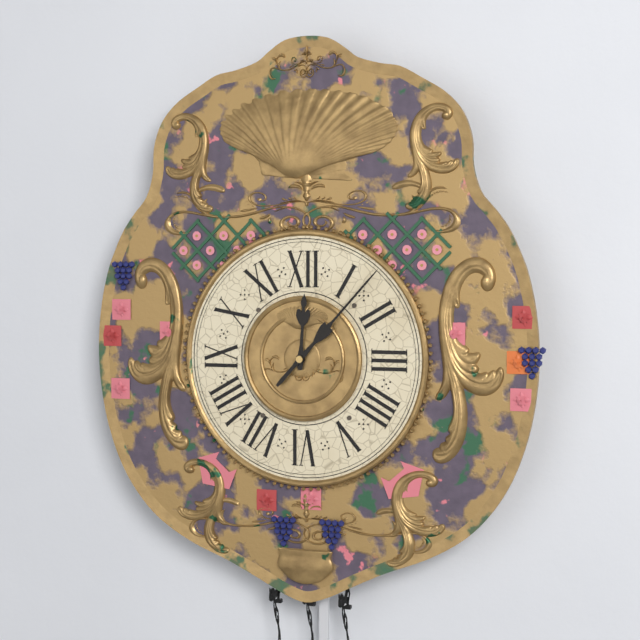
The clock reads 12:07
